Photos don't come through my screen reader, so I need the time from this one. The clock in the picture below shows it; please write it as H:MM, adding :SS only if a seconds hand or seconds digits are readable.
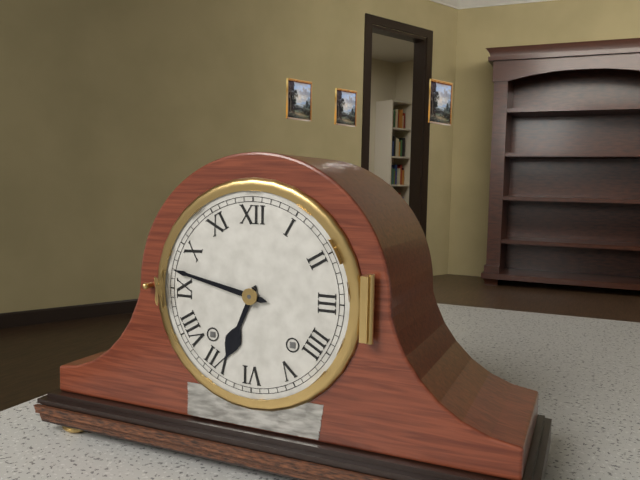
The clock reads 6:47
